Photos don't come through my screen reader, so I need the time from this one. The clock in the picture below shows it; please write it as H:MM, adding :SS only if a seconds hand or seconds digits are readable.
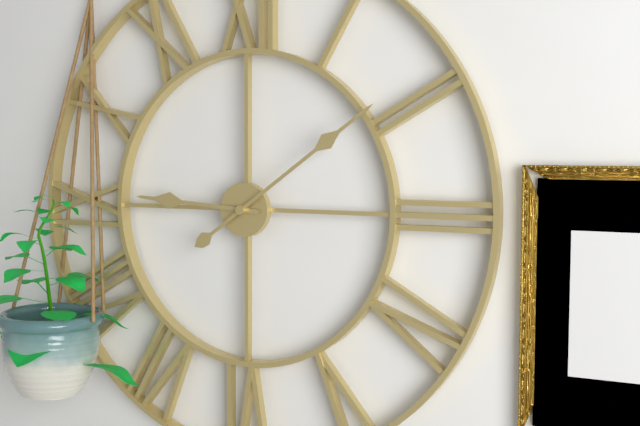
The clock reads 9:09
